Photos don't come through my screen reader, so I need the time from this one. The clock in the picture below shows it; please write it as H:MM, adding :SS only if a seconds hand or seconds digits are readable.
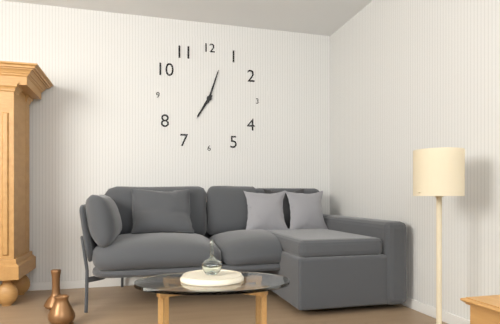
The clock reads 7:03
